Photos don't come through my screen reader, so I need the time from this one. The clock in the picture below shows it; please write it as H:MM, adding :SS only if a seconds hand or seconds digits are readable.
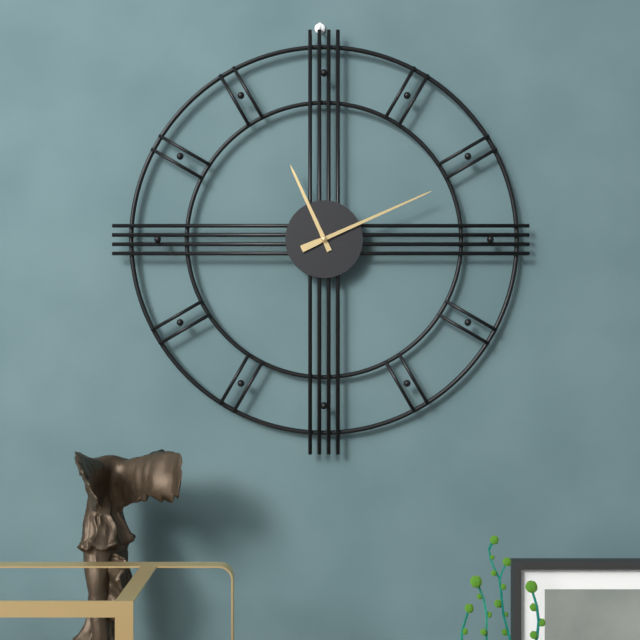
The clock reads 11:11
